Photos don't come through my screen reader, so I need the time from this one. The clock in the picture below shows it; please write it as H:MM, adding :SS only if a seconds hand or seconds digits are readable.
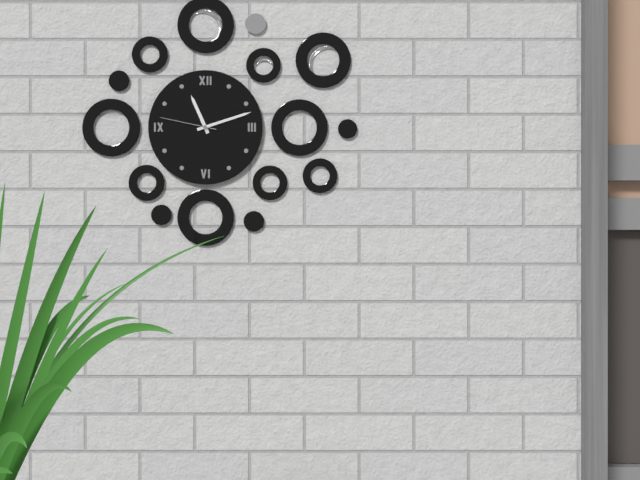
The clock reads 11:12:47
